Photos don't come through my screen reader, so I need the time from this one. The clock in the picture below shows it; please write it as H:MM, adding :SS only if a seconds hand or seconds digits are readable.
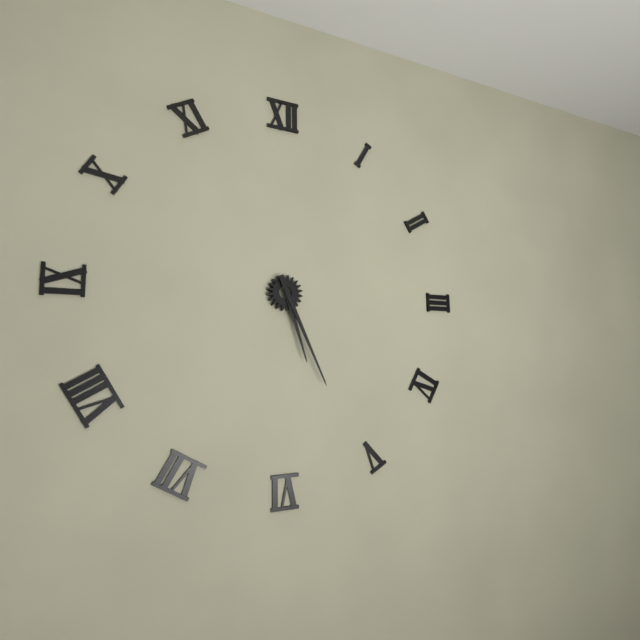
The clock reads 5:26
